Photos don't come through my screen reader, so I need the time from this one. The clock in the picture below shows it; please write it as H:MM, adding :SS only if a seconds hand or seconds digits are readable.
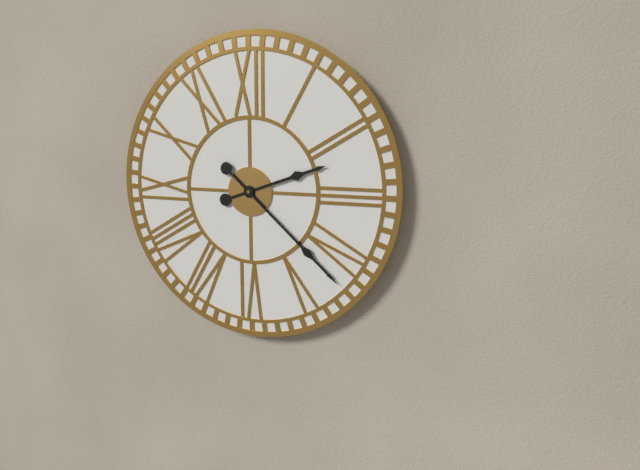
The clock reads 2:22
